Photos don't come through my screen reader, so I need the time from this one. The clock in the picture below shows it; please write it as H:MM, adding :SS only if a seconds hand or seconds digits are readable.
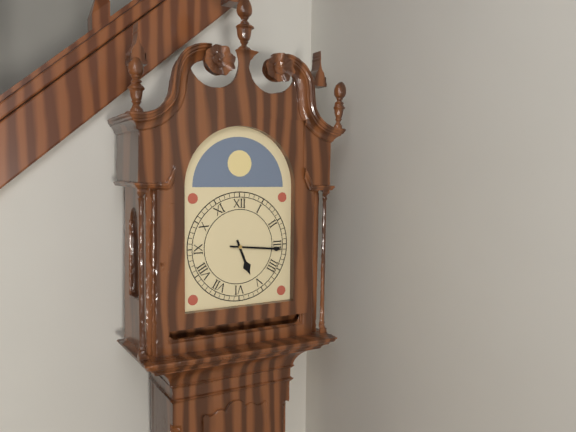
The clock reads 5:16
